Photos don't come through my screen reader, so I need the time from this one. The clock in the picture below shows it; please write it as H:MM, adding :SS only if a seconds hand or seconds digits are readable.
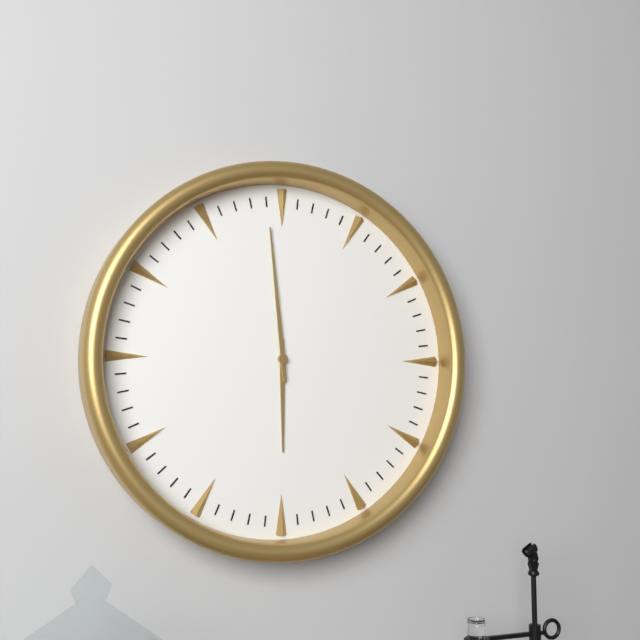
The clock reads 5:59
